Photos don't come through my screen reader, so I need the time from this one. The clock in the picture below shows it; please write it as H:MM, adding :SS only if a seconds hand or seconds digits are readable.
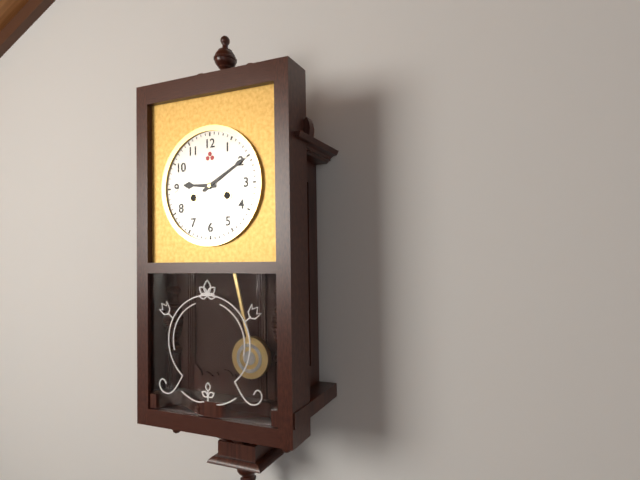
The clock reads 9:10
